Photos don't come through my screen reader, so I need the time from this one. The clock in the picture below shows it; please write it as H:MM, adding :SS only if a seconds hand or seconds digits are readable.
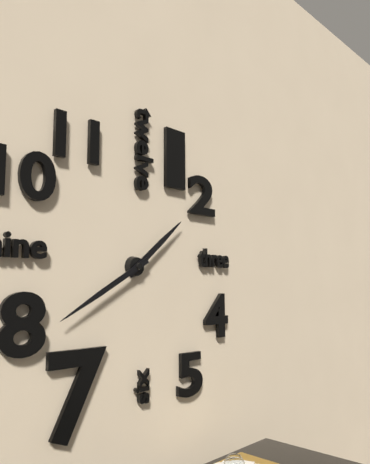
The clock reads 1:40
